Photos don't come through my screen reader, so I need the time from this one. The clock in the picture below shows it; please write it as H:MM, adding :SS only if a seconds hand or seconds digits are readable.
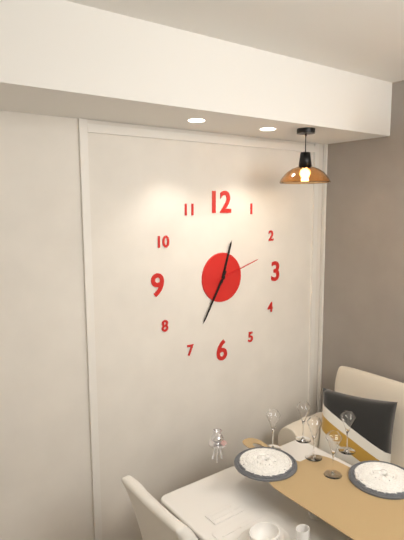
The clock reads 12:35
